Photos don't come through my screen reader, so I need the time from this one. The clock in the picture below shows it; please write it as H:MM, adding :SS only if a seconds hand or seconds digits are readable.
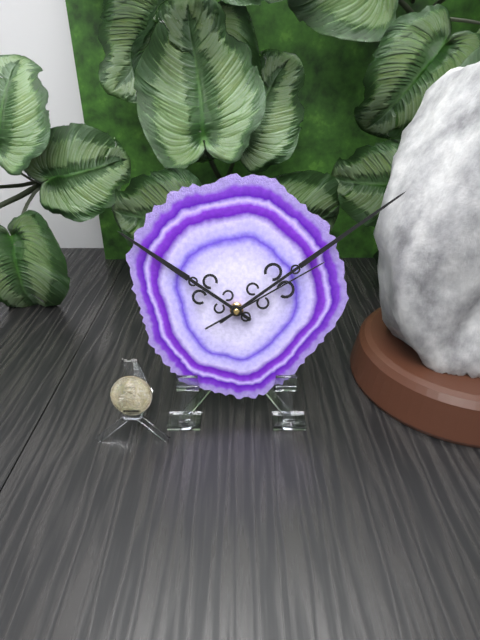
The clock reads 10:09:10
